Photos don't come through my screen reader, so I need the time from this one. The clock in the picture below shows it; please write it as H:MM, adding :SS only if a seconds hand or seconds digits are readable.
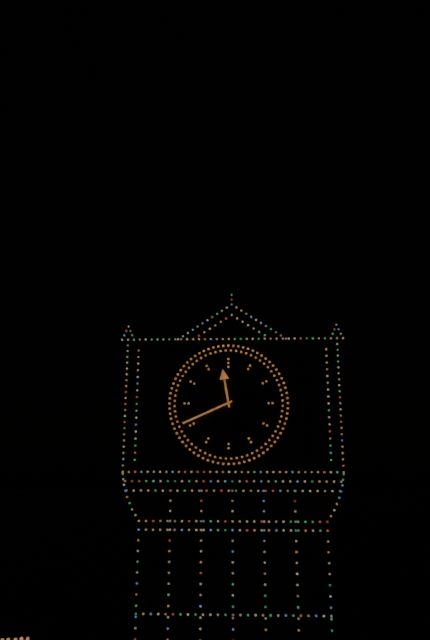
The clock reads 11:41
